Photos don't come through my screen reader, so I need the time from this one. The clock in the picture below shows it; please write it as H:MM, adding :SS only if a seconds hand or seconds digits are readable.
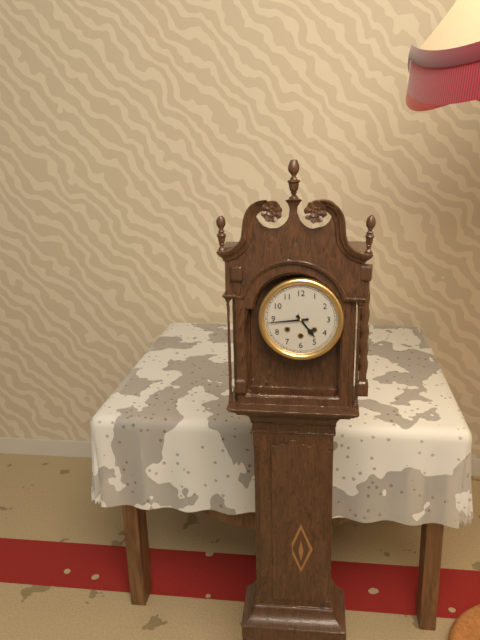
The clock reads 4:44
